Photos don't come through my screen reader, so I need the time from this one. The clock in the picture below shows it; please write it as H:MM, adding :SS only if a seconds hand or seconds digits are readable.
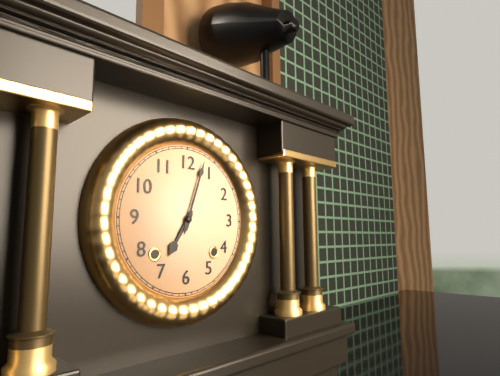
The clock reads 7:03
